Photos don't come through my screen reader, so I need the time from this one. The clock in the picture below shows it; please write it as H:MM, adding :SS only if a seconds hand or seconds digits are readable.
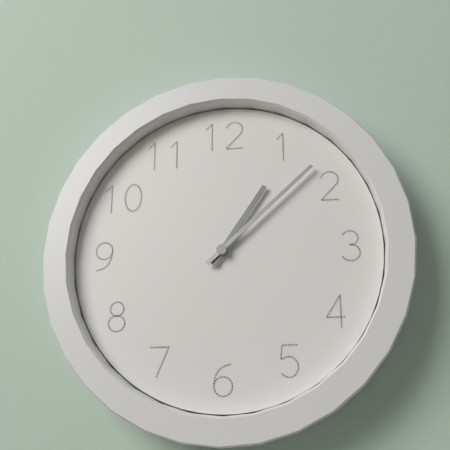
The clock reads 1:08
